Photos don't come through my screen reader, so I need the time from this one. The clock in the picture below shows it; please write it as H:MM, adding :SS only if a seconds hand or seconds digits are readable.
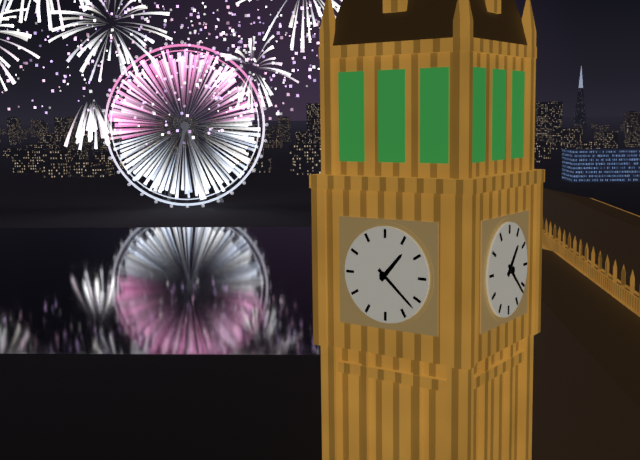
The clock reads 1:22
